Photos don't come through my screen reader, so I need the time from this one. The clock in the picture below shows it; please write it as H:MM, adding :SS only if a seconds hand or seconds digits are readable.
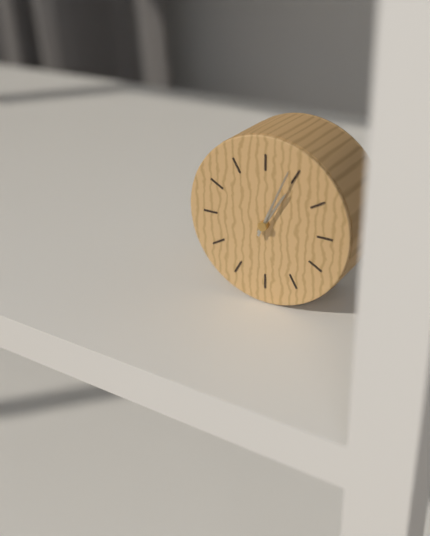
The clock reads 1:04
